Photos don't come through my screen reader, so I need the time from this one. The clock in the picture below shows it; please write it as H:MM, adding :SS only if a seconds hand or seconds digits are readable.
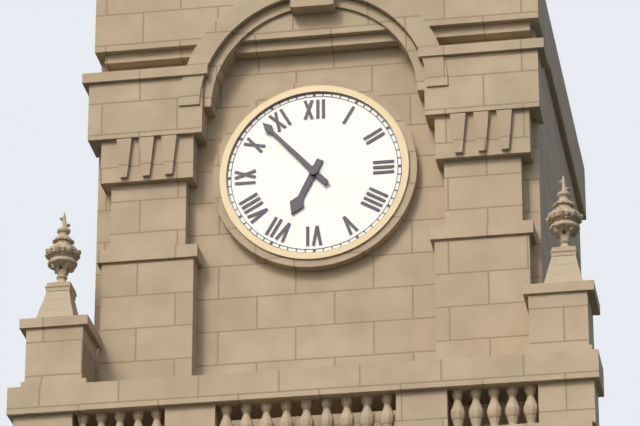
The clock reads 6:53
